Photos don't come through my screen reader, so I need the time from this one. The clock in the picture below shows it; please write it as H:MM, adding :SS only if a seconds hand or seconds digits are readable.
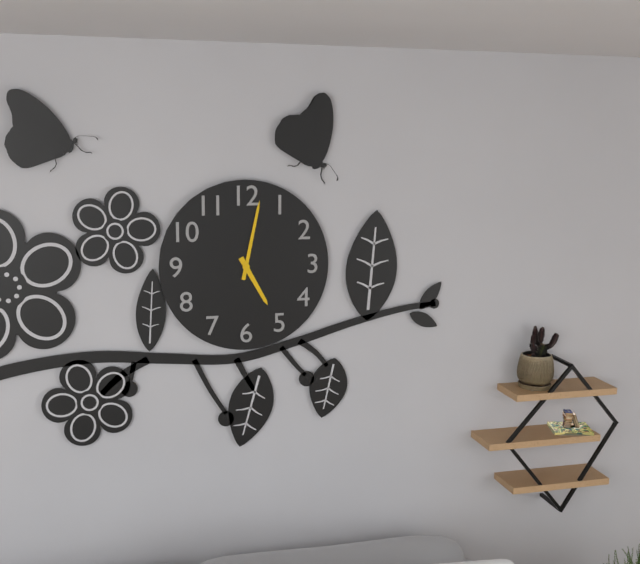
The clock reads 5:02
